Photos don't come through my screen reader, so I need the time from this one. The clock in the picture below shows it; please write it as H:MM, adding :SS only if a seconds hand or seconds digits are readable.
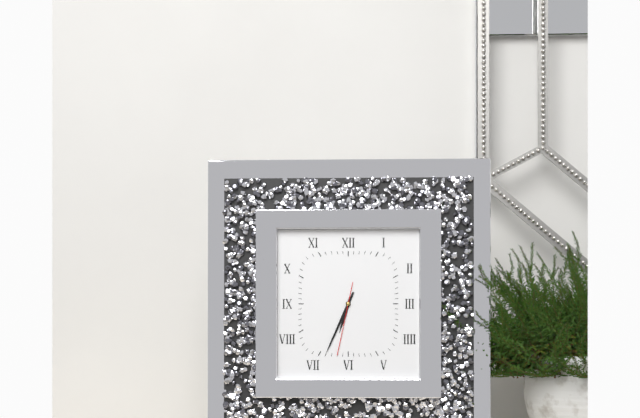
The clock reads 6:34:32
